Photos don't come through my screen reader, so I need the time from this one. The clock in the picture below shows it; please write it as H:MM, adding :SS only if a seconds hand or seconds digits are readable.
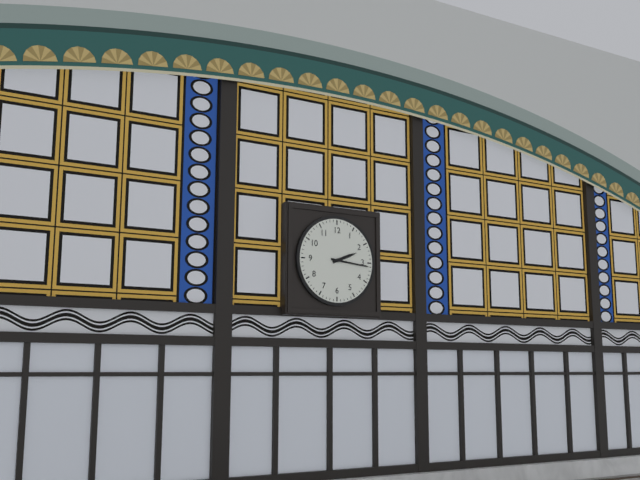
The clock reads 2:16
